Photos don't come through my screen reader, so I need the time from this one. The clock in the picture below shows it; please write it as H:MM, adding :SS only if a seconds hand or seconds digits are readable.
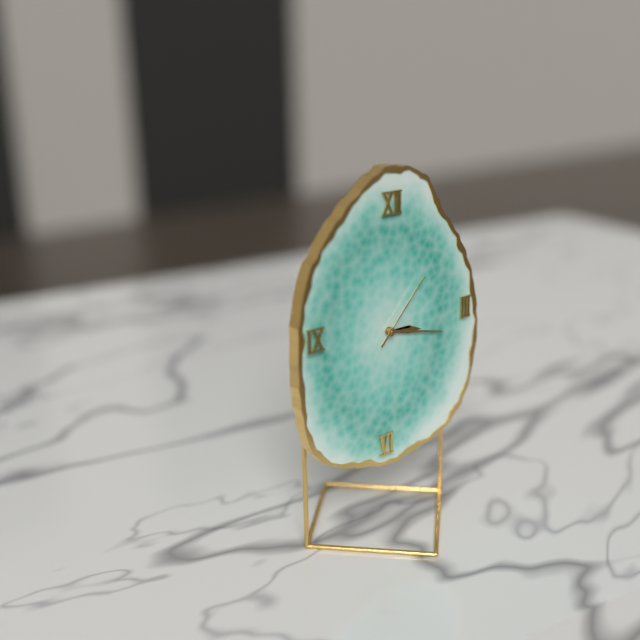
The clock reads 3:17:07
